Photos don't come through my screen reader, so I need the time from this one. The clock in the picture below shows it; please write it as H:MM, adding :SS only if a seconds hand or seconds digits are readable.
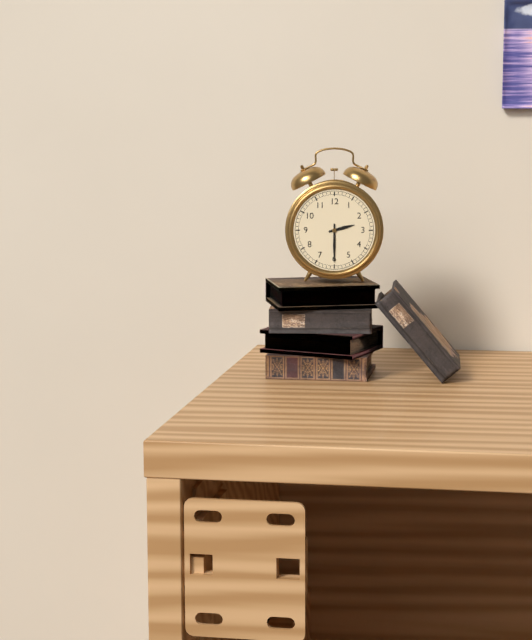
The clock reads 2:30
